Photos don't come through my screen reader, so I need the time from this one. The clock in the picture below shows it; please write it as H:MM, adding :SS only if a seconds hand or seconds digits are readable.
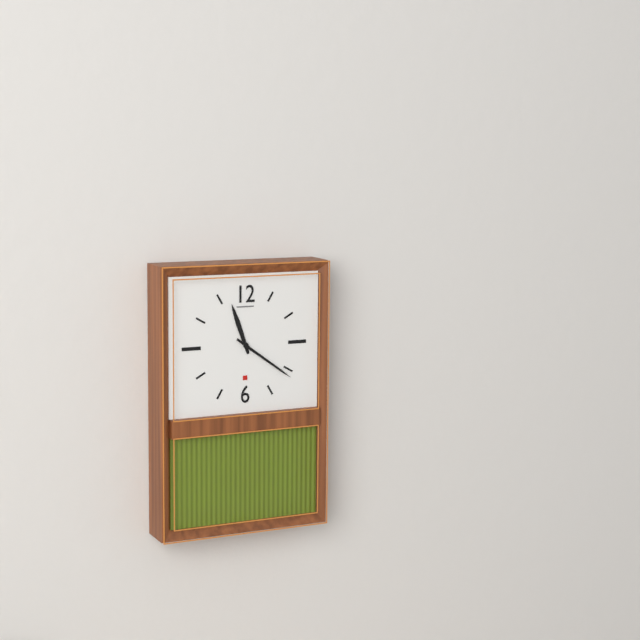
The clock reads 11:21
